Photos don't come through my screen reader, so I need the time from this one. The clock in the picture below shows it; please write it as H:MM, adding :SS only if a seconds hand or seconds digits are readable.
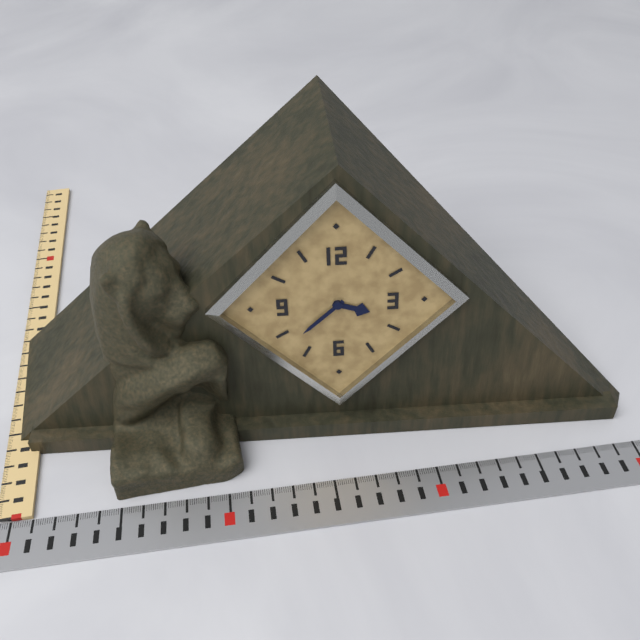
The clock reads 3:38
